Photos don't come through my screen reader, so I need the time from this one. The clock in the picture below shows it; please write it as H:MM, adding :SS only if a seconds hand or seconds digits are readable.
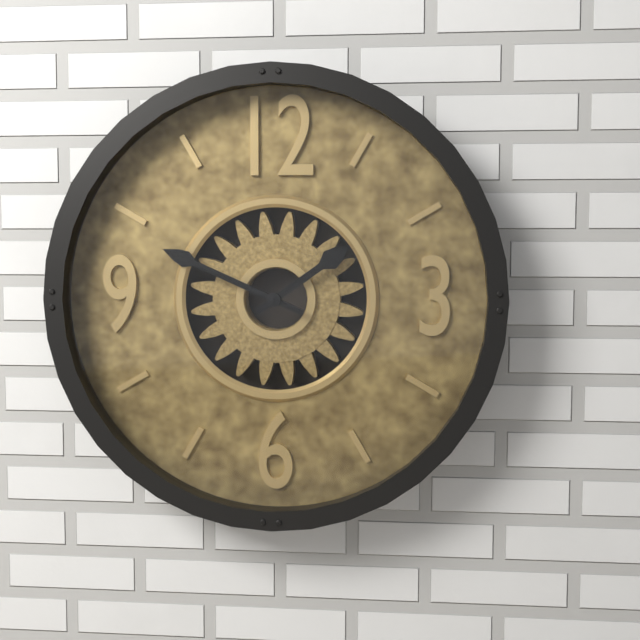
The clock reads 1:49
